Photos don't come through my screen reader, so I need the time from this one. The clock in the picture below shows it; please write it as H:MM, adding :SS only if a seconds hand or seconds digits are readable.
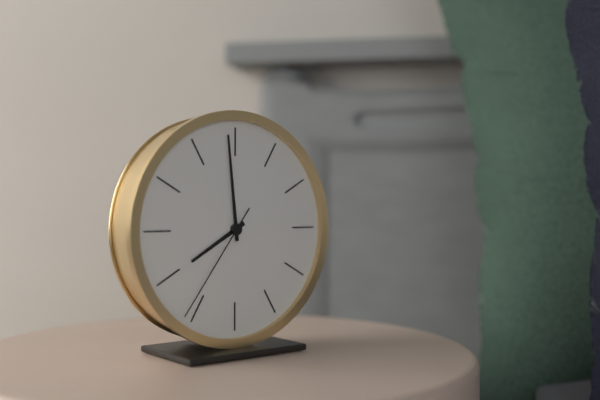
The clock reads 7:59:36
